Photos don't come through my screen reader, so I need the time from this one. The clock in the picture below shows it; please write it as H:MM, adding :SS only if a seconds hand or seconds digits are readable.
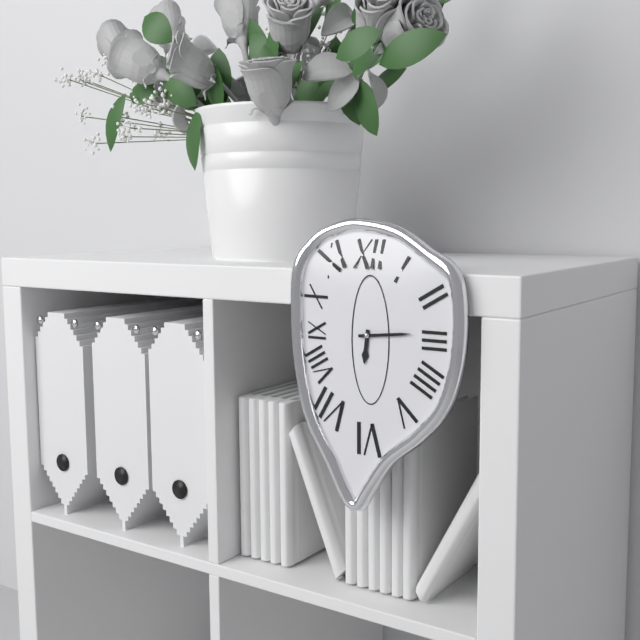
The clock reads 6:14
